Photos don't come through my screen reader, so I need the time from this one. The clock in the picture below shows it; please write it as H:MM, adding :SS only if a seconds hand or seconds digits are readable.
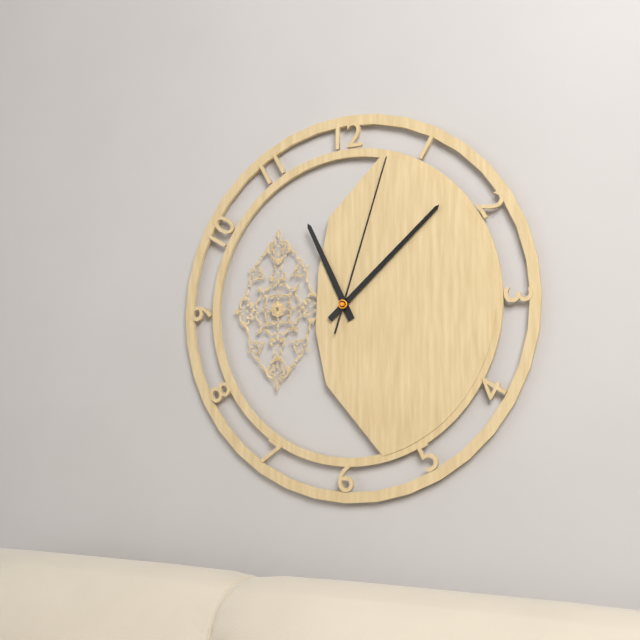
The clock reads 11:08:03
